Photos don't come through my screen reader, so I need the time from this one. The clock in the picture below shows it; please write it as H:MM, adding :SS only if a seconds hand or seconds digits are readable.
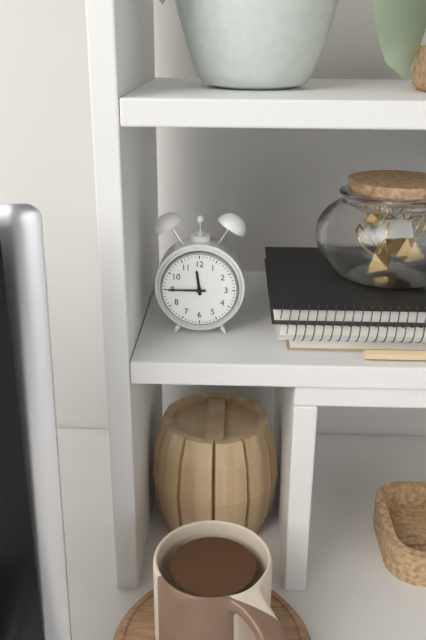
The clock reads 11:45
